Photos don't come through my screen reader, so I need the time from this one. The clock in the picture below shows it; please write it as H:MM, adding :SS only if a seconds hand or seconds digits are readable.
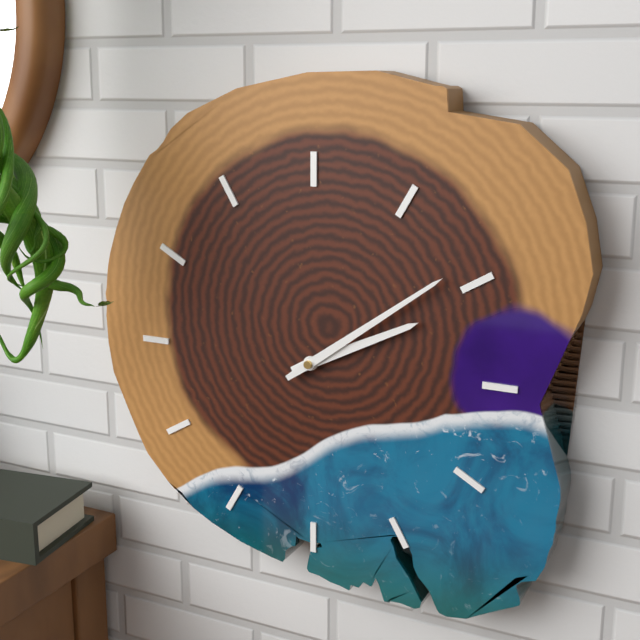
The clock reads 2:09
